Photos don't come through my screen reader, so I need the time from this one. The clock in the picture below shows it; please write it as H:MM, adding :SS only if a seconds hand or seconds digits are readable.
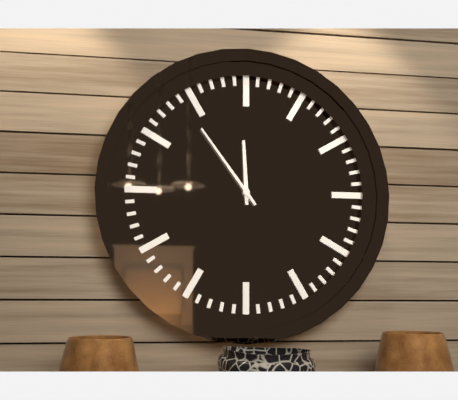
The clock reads 11:54
